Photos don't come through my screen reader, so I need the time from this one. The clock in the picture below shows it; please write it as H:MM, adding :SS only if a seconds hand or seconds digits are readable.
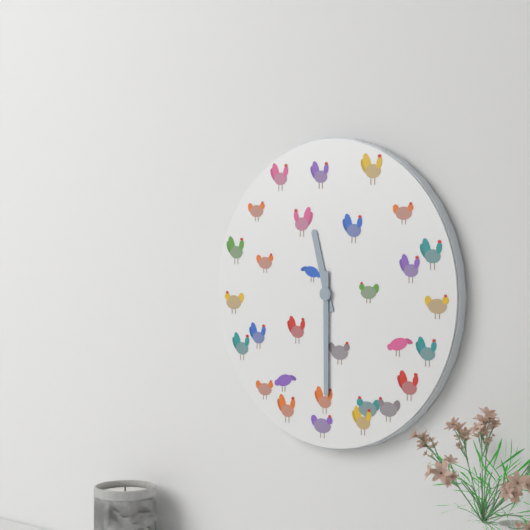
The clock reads 11:30
